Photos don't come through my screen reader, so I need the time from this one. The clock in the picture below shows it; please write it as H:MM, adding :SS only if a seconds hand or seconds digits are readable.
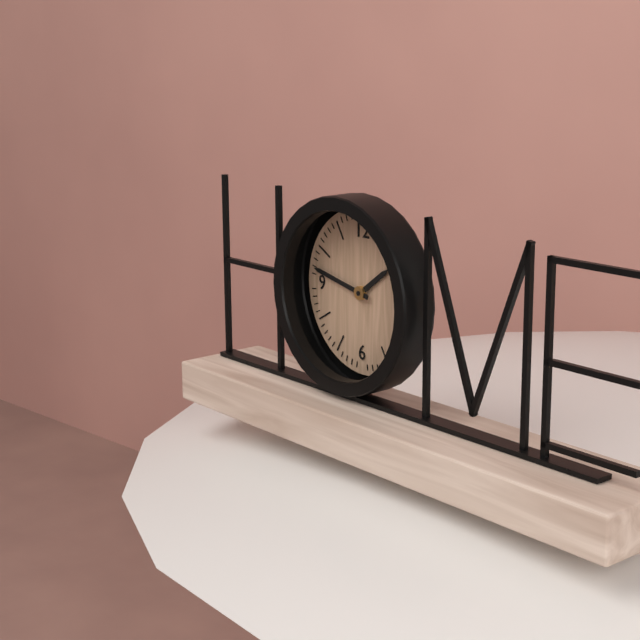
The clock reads 1:47
